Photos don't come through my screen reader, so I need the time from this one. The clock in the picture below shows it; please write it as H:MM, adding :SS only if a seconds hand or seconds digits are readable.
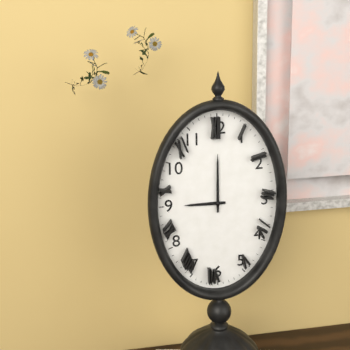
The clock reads 9:00
